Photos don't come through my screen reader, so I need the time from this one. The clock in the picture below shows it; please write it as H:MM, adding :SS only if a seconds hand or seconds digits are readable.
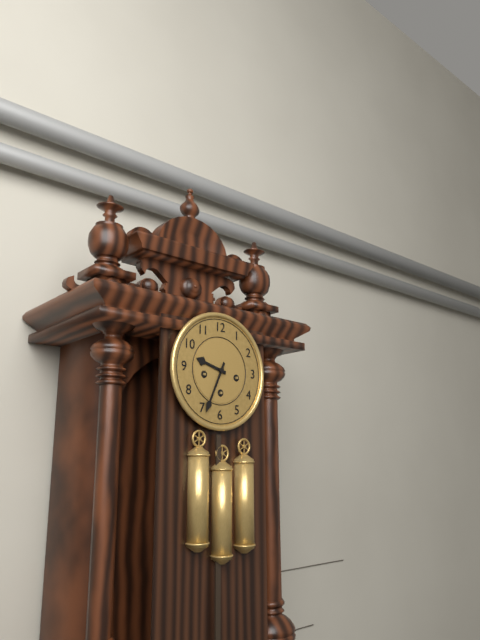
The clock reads 9:34
